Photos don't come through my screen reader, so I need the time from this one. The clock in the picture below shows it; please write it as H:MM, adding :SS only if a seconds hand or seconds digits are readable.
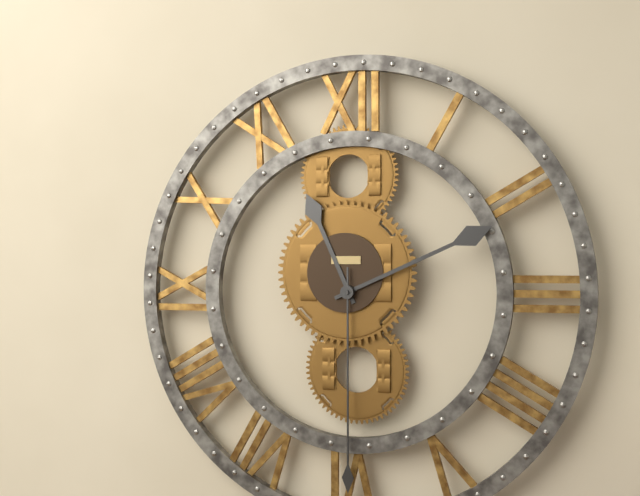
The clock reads 11:11:30
